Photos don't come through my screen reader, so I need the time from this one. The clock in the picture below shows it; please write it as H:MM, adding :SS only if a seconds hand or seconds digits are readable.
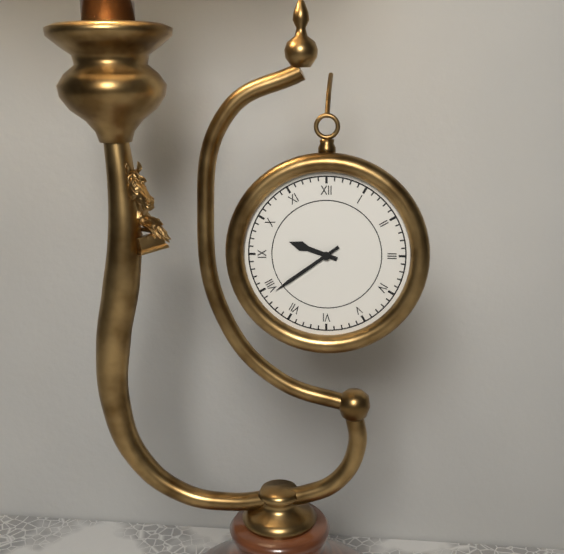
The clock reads 9:39
